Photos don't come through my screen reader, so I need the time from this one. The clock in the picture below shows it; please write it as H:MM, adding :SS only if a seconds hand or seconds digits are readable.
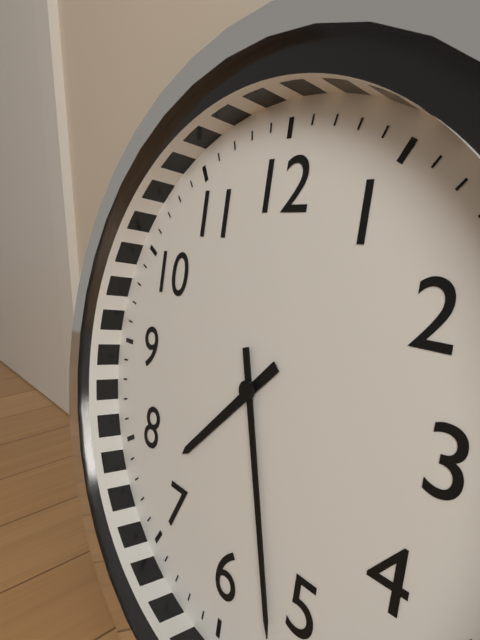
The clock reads 7:27
